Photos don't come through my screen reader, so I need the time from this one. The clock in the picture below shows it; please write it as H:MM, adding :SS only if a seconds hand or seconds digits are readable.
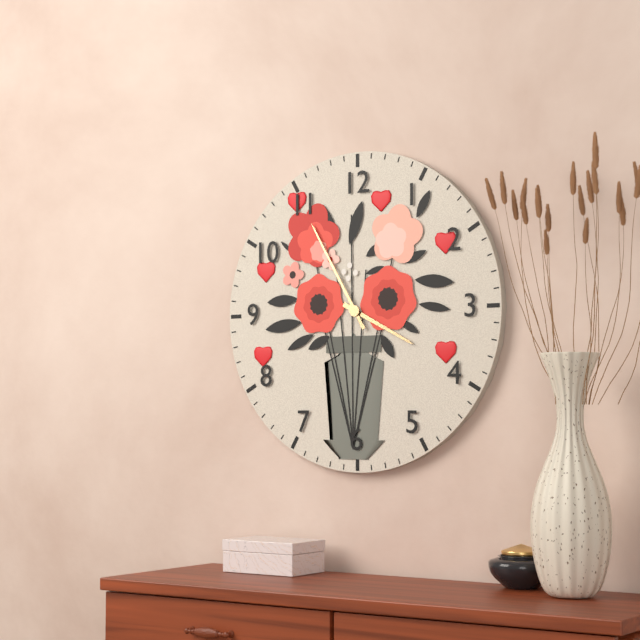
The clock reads 3:55
